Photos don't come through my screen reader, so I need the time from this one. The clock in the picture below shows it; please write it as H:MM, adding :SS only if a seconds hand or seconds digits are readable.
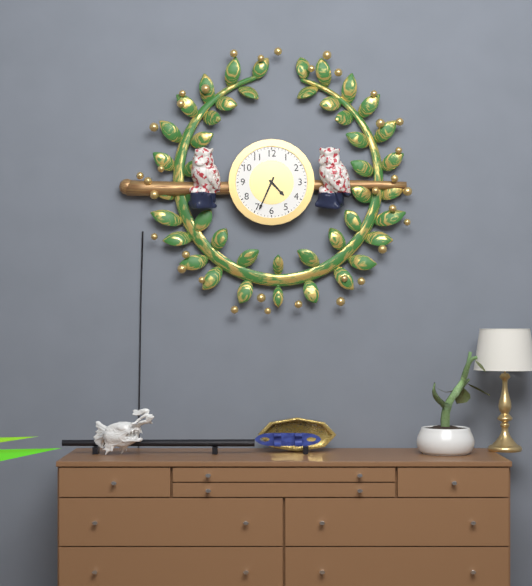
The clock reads 4:34
